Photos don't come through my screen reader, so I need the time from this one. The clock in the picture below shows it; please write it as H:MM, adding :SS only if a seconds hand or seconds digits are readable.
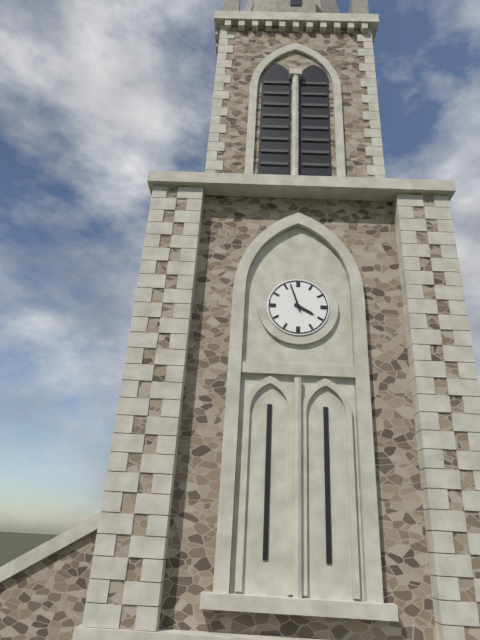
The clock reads 3:57
